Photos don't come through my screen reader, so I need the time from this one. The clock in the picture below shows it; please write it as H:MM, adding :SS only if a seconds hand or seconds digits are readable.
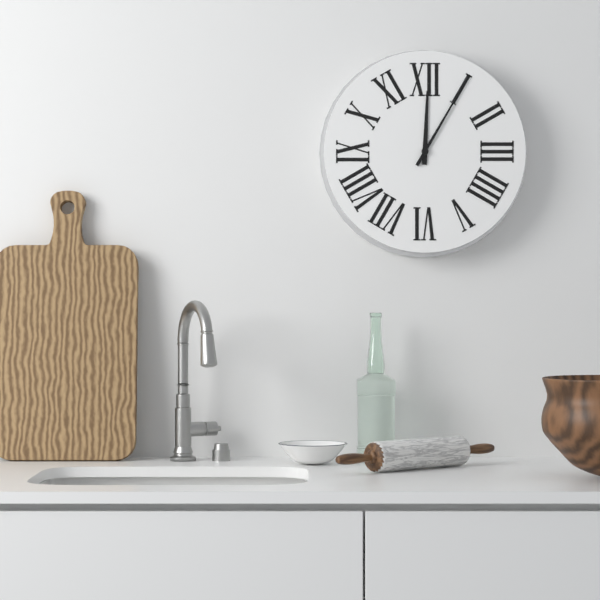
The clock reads 12:05
